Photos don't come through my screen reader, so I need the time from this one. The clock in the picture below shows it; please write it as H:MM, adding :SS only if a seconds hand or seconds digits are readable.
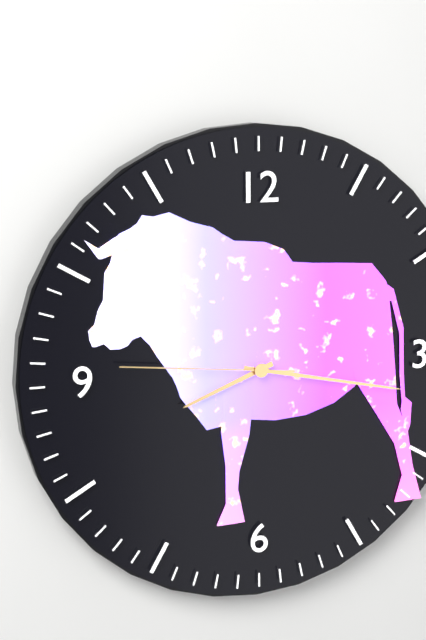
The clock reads 8:17:46
